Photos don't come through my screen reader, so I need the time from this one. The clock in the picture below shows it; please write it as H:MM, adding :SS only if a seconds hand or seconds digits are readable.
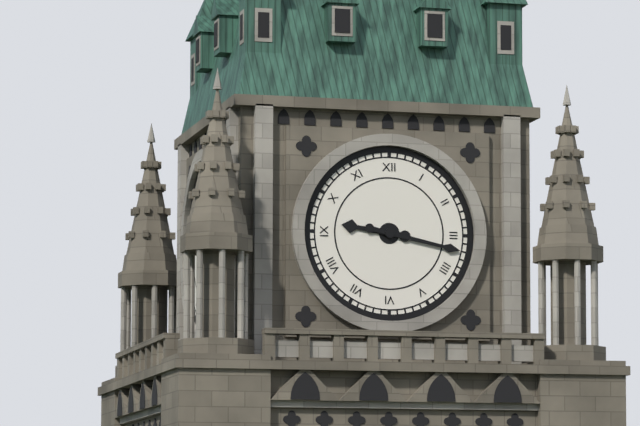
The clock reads 9:17
